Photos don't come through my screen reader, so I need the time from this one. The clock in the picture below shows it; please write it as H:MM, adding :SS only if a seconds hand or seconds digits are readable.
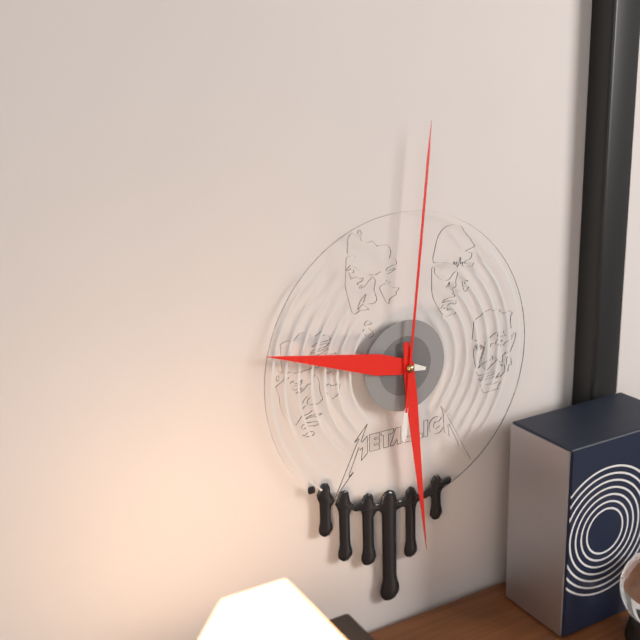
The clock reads 9:29:01
